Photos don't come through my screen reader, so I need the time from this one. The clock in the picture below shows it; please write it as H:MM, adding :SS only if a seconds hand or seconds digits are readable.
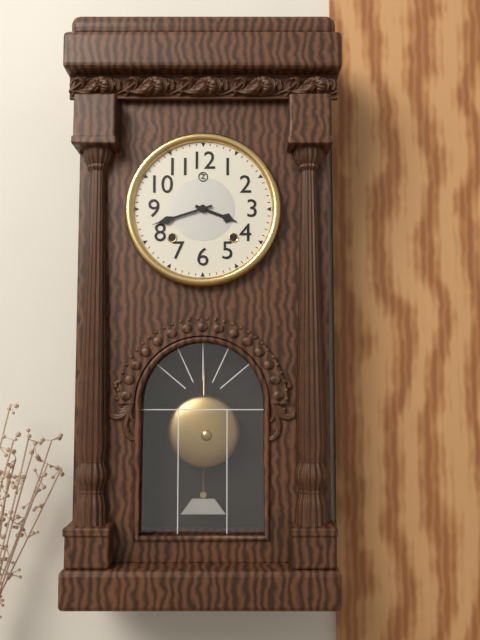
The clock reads 3:42
